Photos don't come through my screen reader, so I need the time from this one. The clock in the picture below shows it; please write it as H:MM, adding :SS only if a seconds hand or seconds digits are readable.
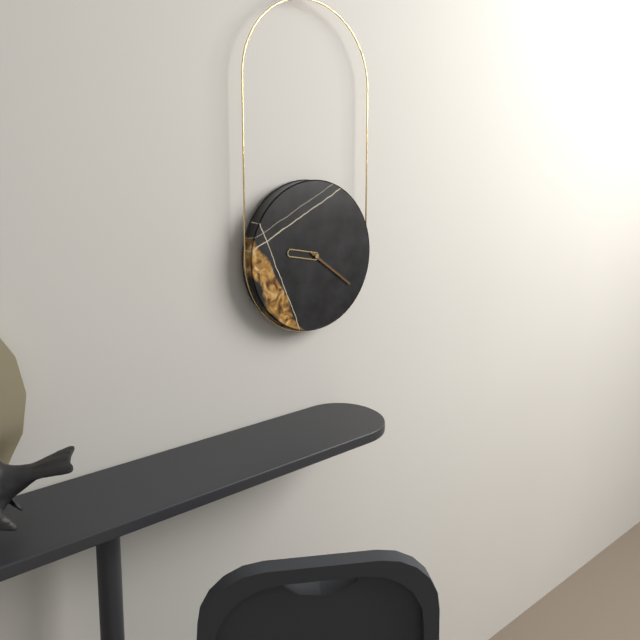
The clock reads 9:21
